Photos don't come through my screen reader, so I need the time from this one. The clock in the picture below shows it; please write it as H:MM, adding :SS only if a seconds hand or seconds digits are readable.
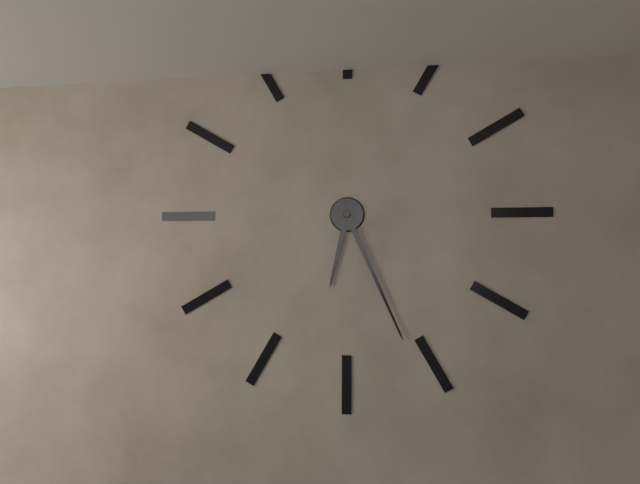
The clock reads 6:26
